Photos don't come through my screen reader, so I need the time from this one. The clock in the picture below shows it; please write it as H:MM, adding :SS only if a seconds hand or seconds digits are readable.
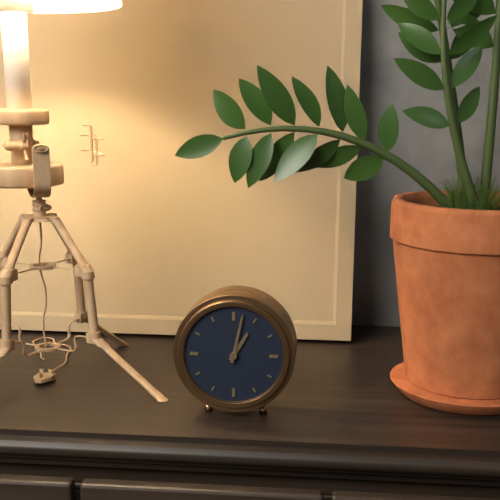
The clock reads 1:02
